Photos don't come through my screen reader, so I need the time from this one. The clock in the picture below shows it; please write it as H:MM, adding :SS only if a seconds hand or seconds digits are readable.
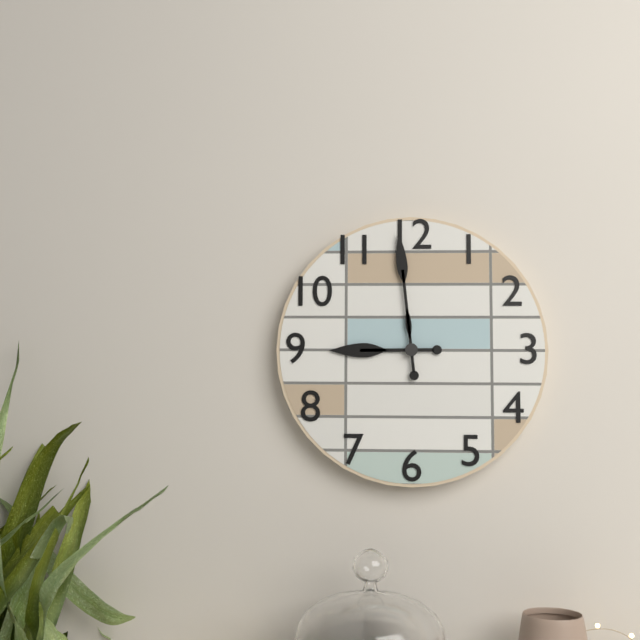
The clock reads 8:59
